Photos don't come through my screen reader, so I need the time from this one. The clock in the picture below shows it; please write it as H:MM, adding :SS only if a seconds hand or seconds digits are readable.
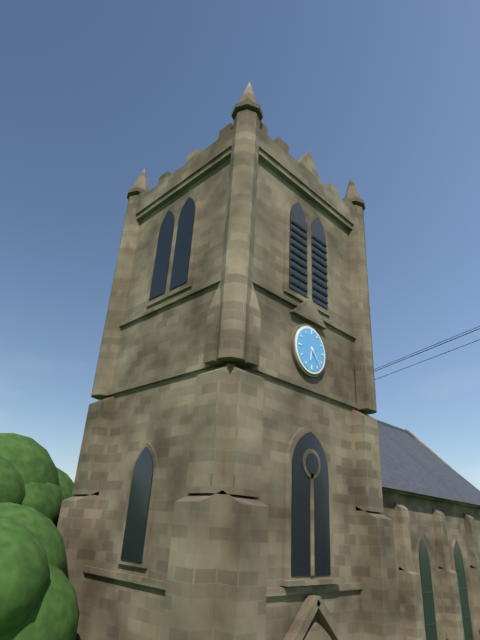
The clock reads 6:23
